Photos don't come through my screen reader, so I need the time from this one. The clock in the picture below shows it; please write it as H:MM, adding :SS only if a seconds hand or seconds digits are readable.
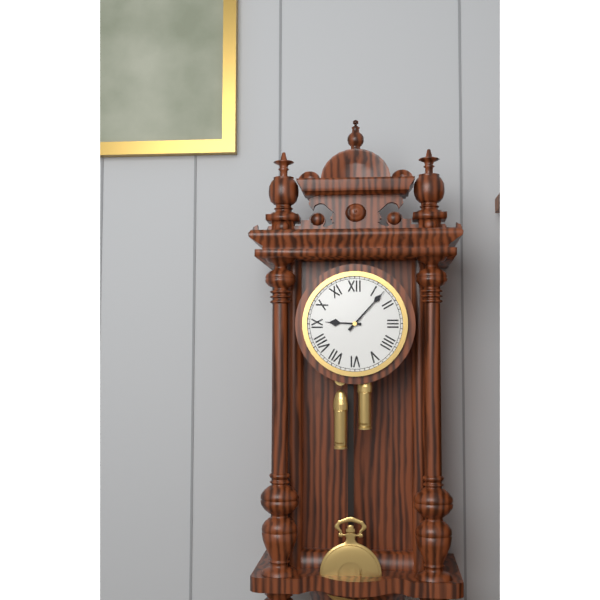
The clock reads 9:07
